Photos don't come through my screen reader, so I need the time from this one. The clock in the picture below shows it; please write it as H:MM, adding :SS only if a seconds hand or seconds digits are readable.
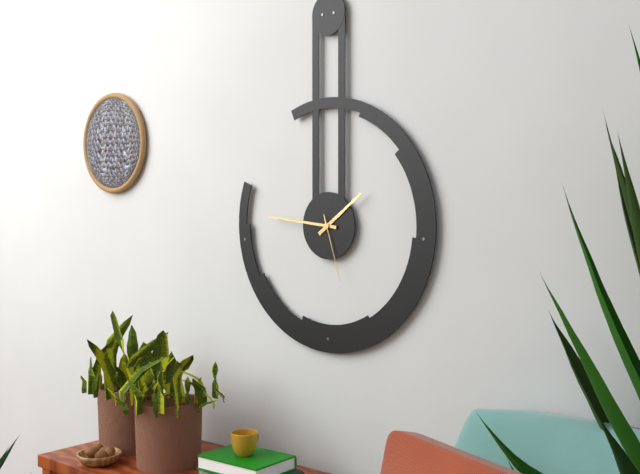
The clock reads 1:46:27
